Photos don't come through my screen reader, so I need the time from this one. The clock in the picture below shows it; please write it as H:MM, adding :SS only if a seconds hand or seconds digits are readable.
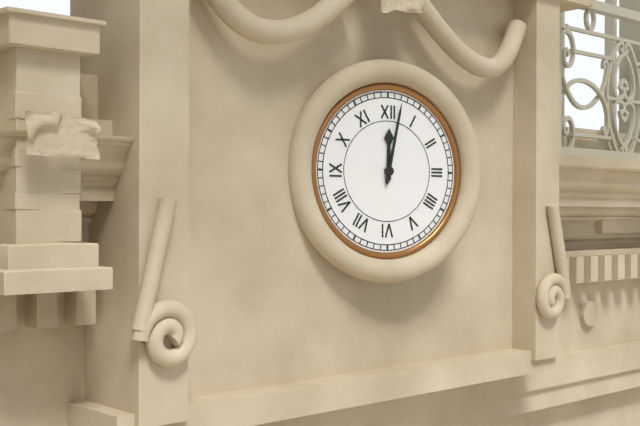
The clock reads 12:02
